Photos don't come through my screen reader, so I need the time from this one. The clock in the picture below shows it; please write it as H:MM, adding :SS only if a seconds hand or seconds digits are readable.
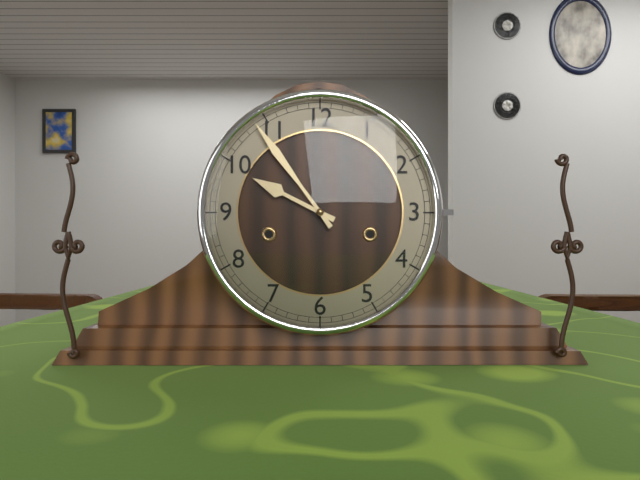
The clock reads 9:54
